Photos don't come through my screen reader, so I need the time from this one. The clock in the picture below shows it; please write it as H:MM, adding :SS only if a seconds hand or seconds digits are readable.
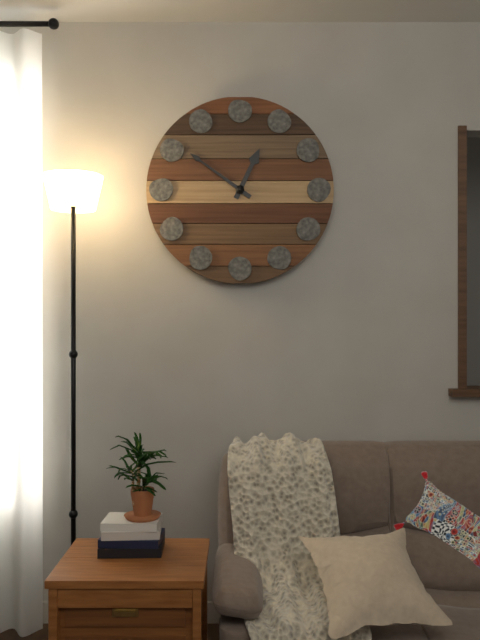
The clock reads 12:51
